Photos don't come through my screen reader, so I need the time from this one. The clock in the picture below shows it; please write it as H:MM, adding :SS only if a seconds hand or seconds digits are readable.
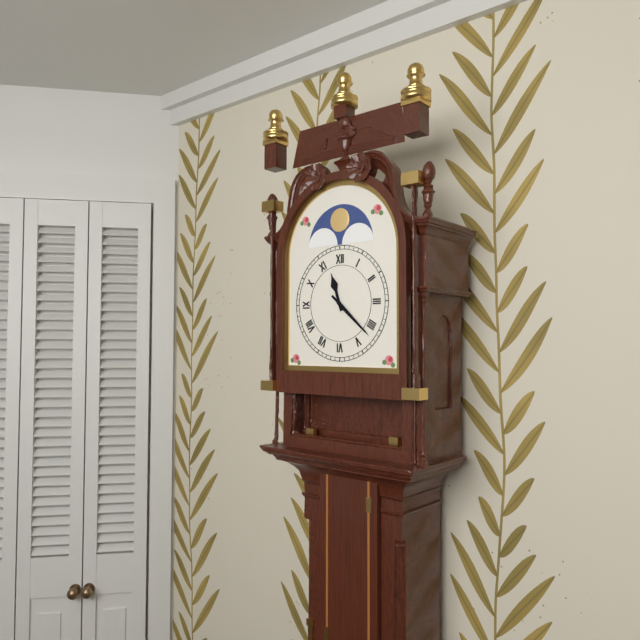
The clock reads 11:22
